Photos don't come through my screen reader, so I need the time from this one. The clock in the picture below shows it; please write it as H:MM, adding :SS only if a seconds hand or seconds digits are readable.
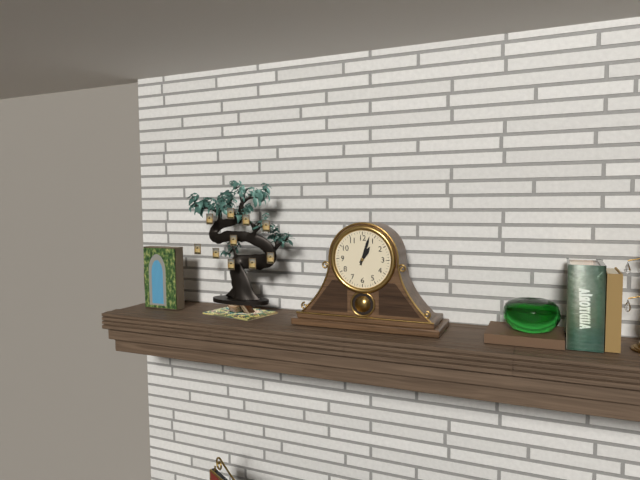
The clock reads 1:03
